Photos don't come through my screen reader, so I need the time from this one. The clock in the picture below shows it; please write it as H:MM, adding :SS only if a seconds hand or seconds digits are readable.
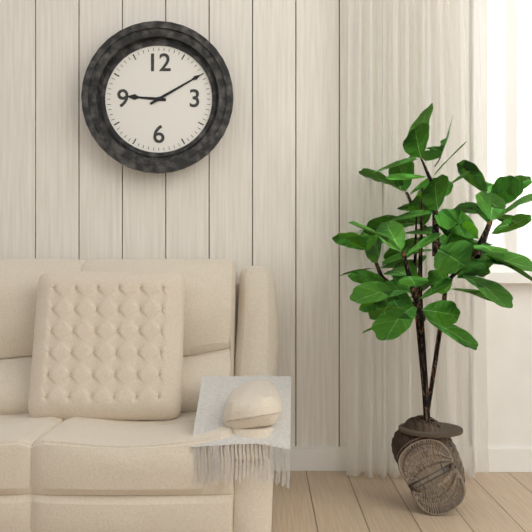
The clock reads 9:10
